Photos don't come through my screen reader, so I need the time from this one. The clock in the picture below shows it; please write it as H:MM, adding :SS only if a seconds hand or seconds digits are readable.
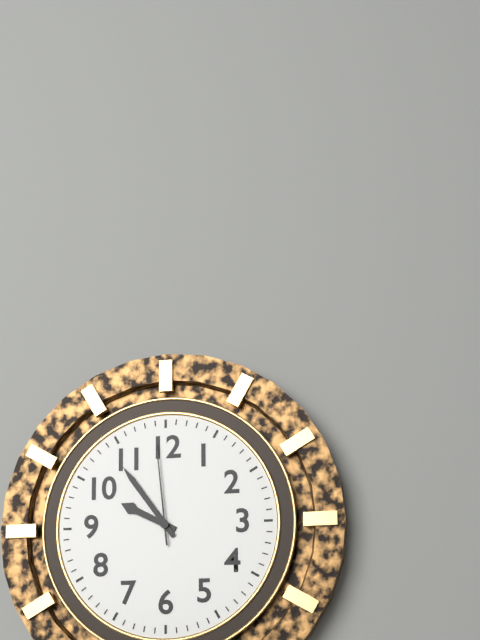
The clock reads 9:54:59
